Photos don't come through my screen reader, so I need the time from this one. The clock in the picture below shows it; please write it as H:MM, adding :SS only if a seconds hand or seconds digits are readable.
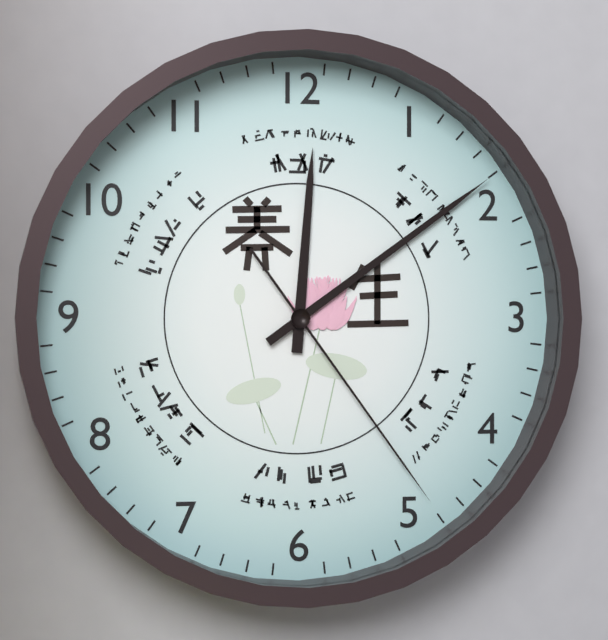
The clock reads 12:09:24
